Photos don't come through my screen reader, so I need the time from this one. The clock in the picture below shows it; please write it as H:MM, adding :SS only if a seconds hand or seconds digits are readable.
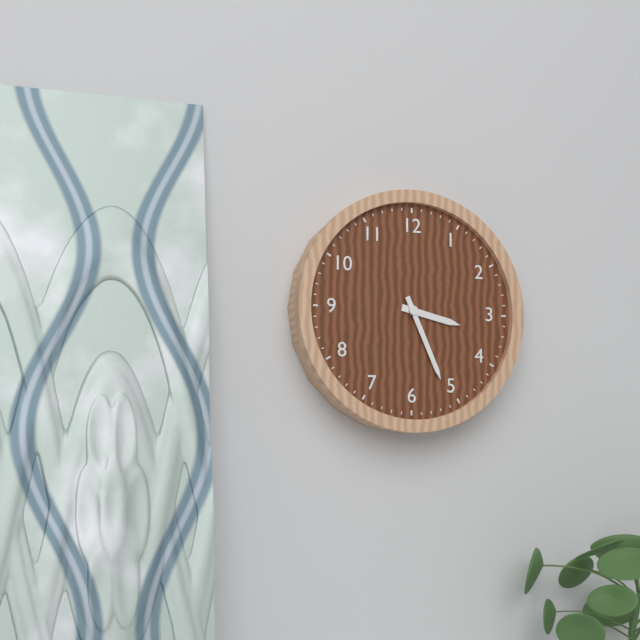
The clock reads 3:26
